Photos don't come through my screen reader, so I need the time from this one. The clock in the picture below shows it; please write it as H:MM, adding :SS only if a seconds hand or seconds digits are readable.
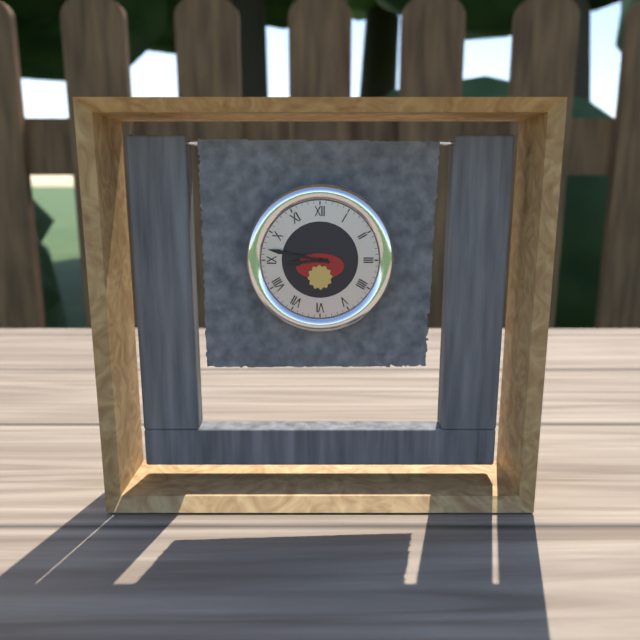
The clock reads 8:47
